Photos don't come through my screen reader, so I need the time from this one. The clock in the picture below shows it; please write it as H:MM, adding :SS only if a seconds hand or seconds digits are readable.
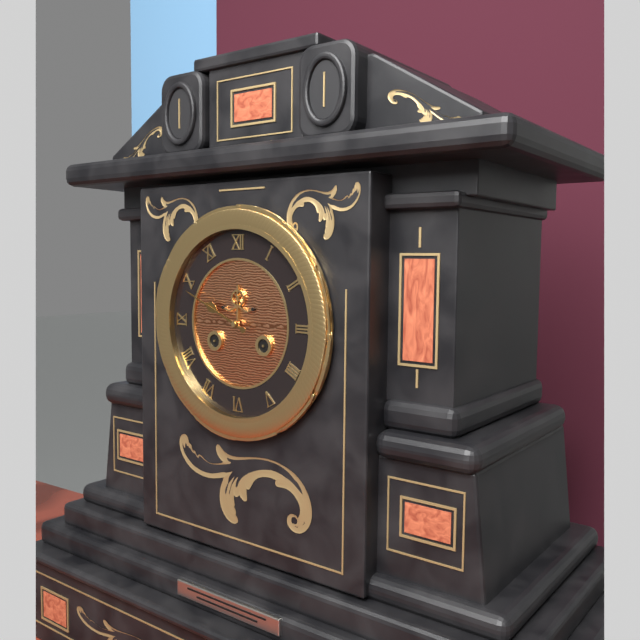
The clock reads 9:49
